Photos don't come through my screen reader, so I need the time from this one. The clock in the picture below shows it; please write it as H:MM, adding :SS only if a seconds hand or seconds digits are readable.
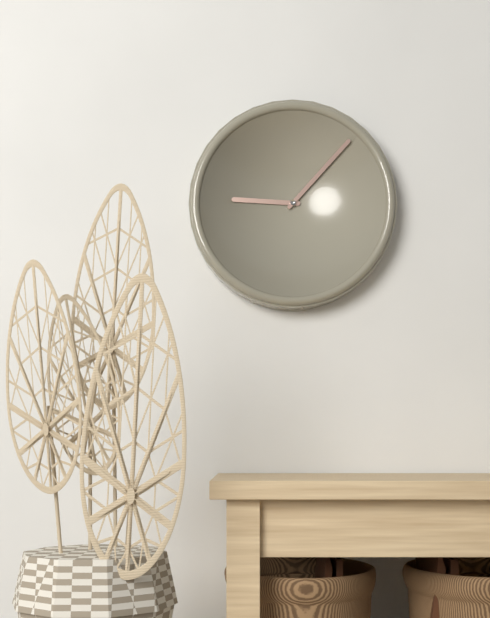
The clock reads 9:07
